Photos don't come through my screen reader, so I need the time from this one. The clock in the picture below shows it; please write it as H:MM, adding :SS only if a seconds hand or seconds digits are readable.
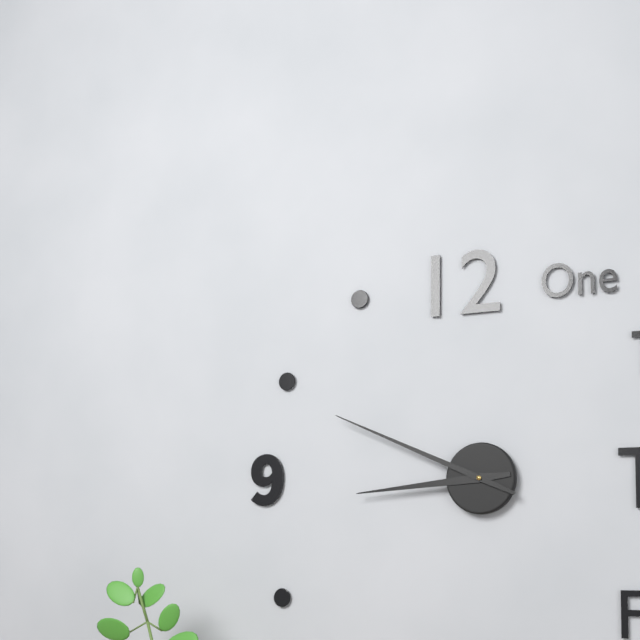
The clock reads 8:49
